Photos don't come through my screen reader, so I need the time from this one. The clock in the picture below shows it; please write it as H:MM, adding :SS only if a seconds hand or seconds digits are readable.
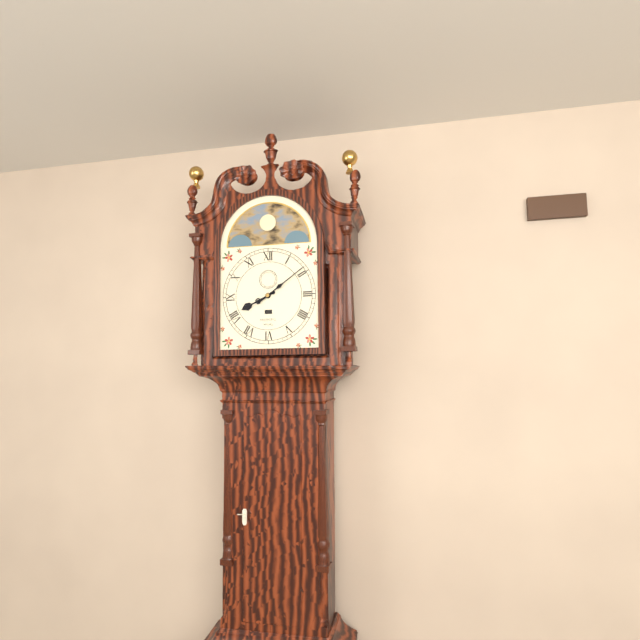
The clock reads 8:09
